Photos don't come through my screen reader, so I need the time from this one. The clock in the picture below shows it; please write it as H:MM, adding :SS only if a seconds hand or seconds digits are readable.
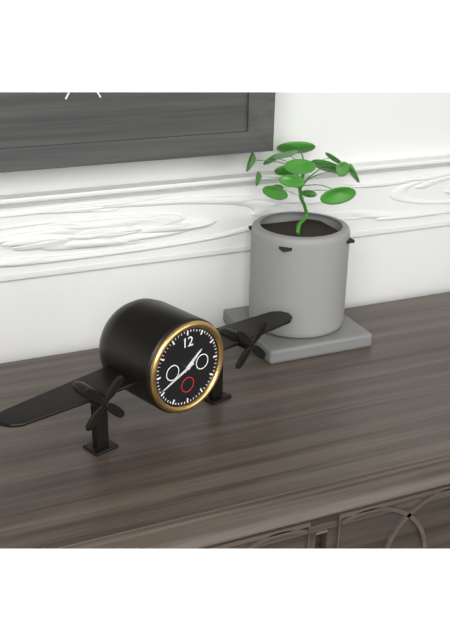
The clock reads 1:41
